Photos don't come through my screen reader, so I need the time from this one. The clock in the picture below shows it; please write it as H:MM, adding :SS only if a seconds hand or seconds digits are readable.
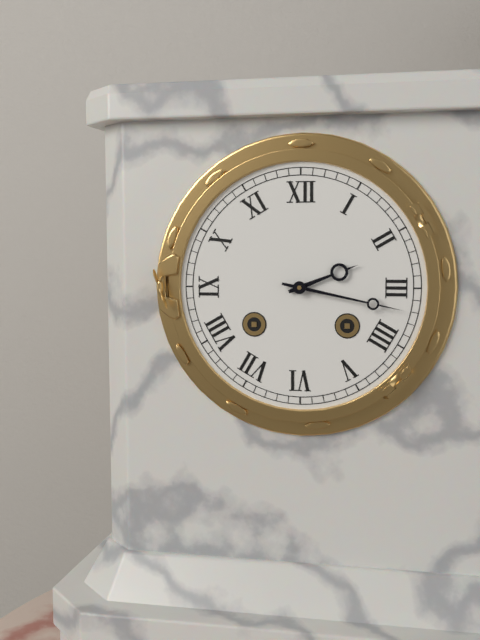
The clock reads 2:17
